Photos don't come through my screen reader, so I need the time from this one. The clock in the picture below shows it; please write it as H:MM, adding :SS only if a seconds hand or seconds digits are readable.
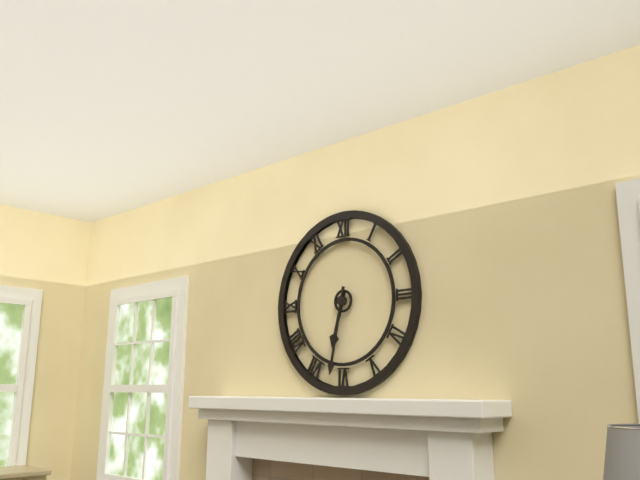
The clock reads 6:32
